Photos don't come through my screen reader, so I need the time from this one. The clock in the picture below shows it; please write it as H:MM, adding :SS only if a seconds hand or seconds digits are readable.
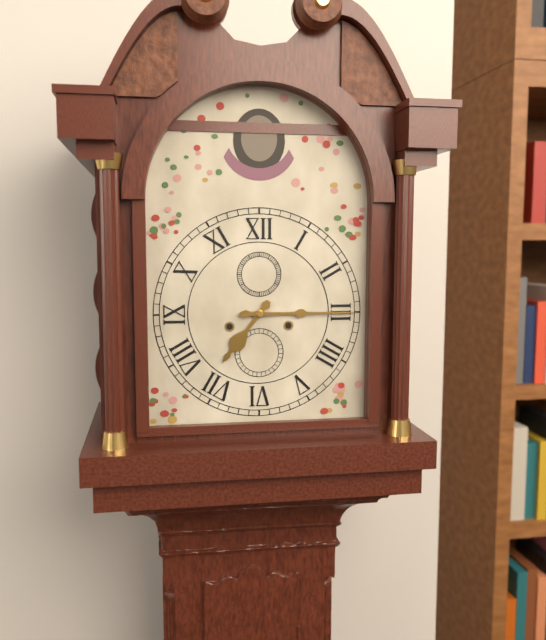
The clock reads 7:15
